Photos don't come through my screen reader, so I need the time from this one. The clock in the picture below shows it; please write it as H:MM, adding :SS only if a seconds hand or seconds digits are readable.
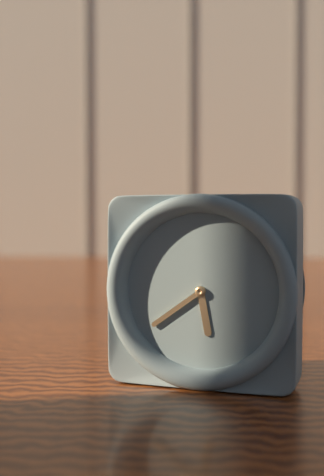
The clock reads 5:39
